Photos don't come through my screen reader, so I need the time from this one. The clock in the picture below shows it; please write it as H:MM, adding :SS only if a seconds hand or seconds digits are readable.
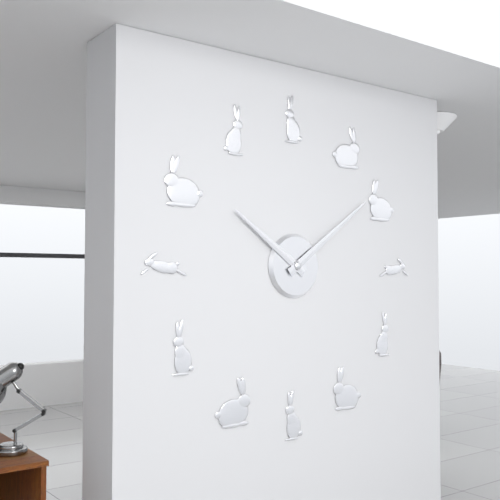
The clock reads 10:09
